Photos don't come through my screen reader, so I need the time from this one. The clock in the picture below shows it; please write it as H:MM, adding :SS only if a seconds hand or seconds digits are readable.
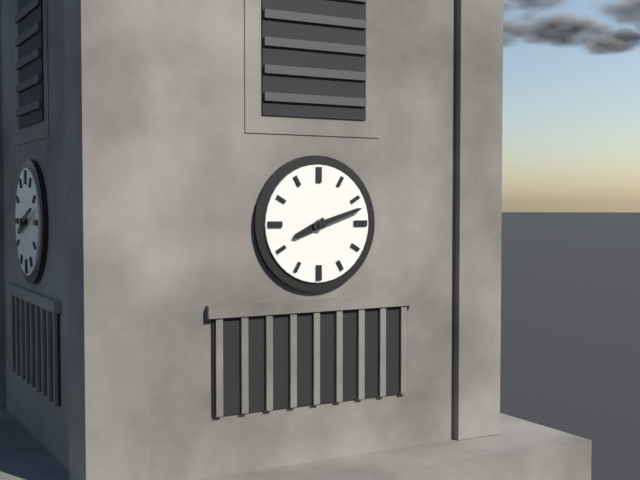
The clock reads 8:12
